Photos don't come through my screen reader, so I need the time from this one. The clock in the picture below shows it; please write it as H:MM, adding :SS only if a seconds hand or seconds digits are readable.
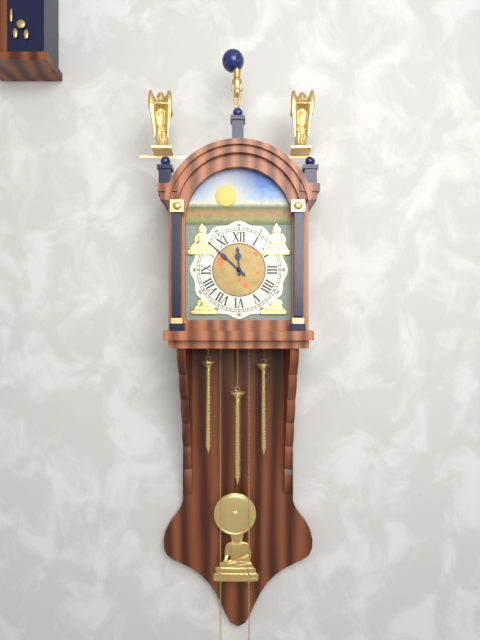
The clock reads 11:52
